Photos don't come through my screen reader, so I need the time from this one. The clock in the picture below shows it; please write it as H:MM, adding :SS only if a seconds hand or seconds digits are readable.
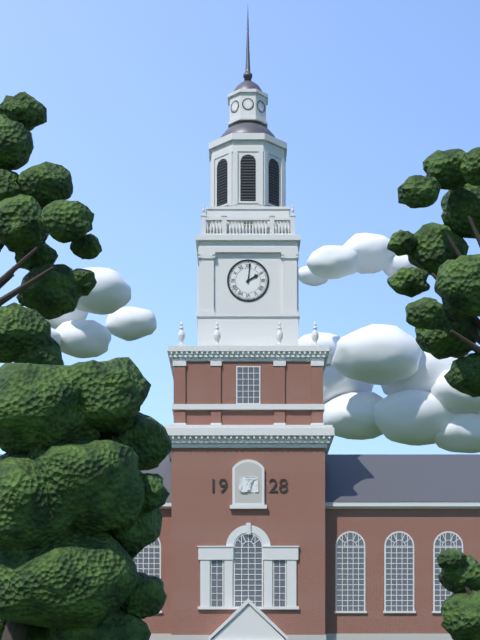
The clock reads 2:01
